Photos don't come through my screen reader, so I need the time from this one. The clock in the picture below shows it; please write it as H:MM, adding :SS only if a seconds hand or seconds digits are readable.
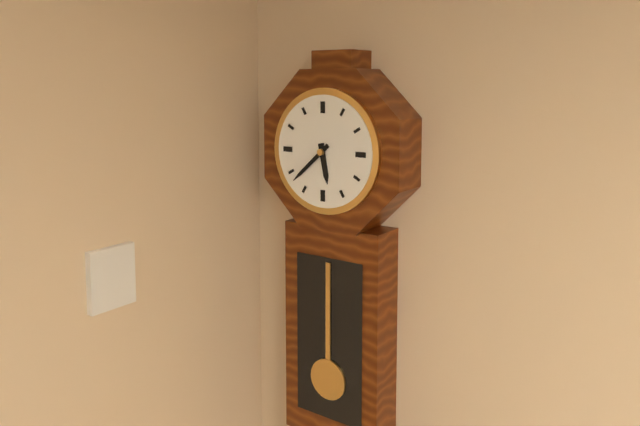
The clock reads 5:38
